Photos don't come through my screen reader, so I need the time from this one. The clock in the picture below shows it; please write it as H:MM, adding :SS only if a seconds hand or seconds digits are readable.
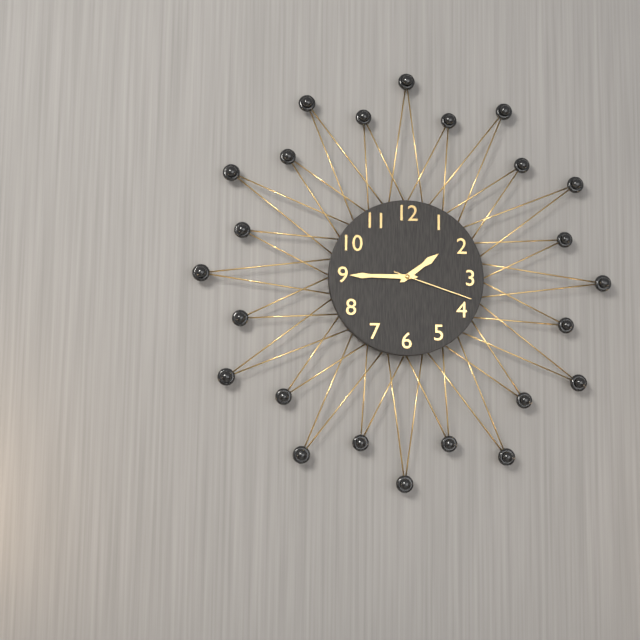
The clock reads 1:45:18
